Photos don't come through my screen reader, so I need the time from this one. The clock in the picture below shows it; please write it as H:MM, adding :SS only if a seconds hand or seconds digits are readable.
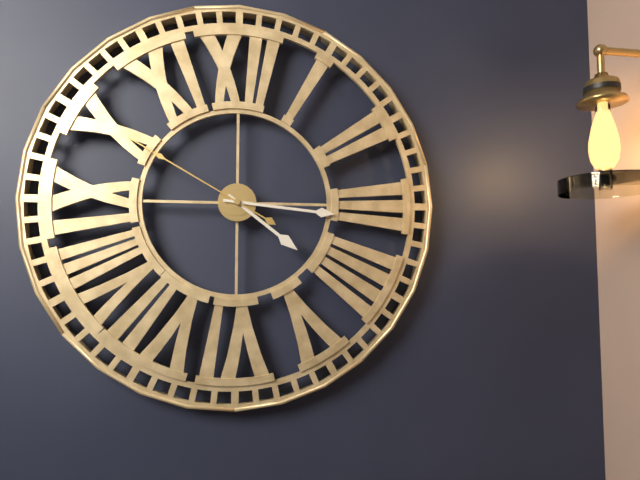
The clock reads 4:16:50
